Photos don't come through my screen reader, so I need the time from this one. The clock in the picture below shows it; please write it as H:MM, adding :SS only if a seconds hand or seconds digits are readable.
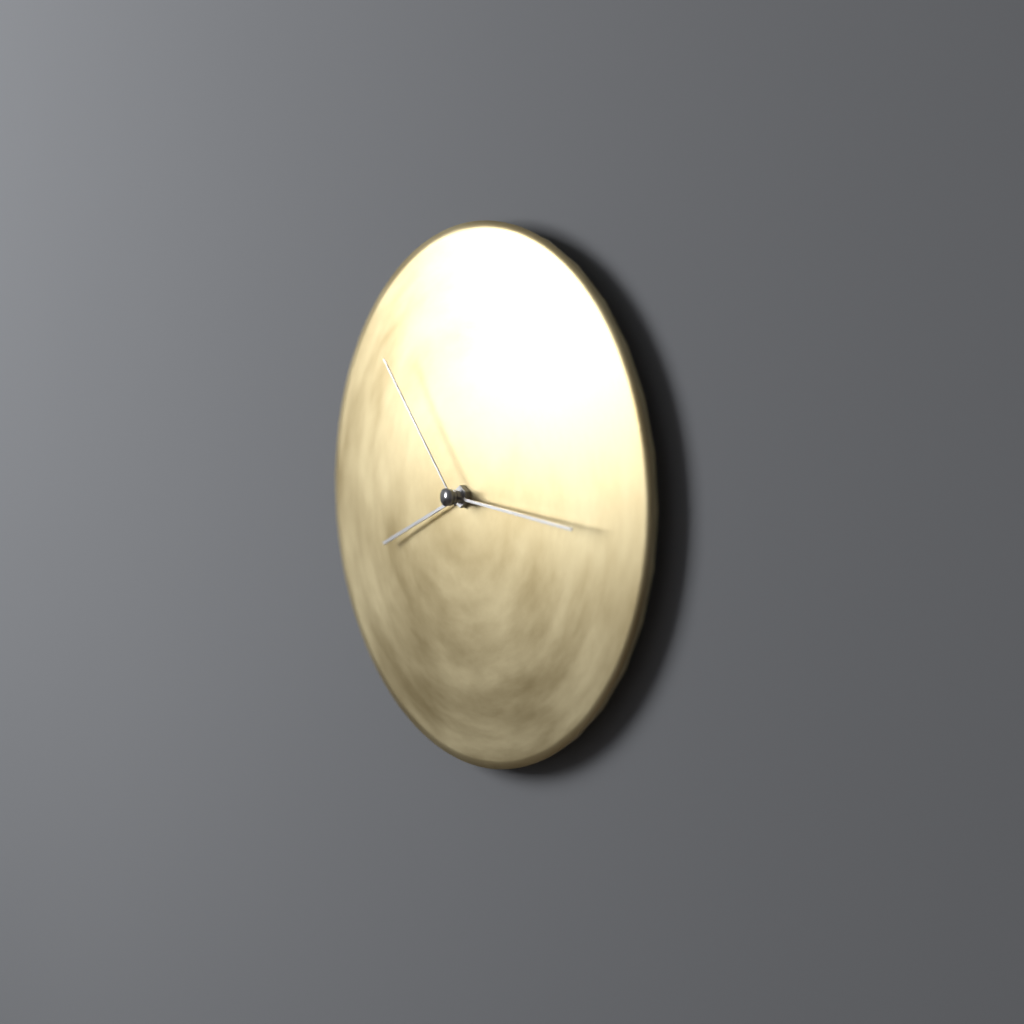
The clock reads 8:16:53
